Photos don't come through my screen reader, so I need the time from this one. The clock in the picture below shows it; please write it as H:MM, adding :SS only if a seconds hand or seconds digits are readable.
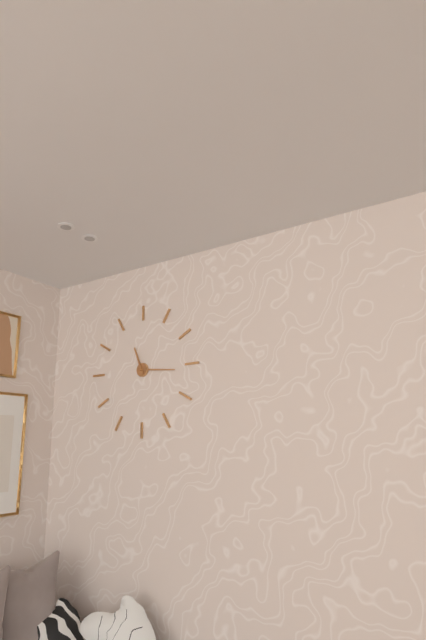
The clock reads 11:16
